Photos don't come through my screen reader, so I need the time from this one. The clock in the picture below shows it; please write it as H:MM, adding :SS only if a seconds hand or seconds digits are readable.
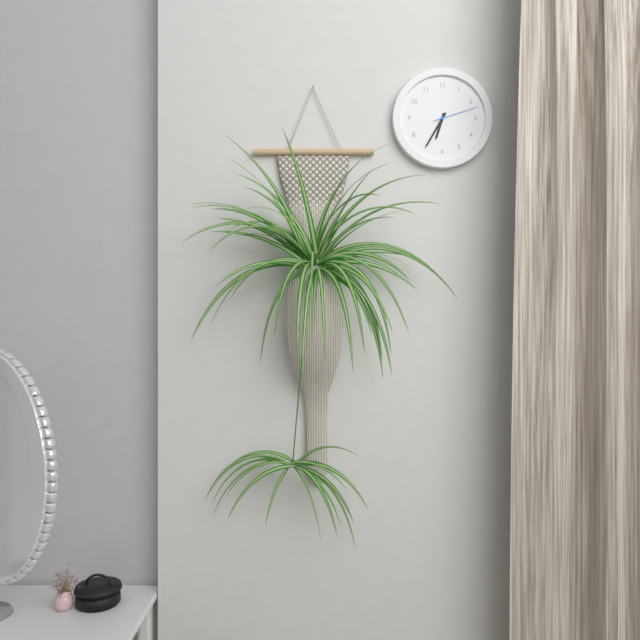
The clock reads 6:35
